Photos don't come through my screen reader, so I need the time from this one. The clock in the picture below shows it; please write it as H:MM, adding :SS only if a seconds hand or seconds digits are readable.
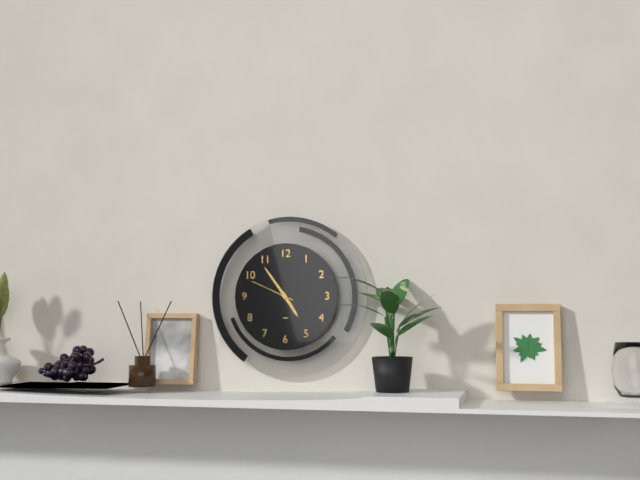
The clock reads 4:54
